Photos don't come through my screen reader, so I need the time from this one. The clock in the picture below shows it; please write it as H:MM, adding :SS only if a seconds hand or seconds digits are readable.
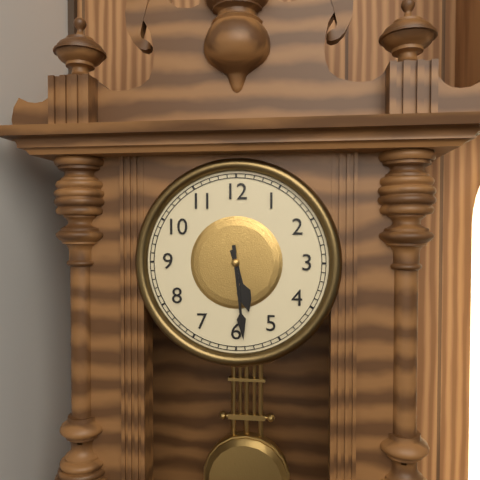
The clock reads 5:29
